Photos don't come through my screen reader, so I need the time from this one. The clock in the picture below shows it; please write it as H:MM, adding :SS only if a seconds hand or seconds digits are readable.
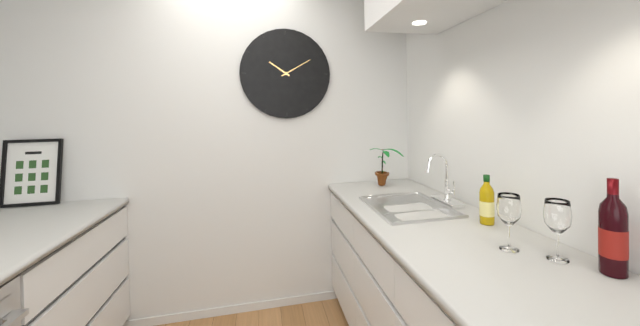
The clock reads 10:10
